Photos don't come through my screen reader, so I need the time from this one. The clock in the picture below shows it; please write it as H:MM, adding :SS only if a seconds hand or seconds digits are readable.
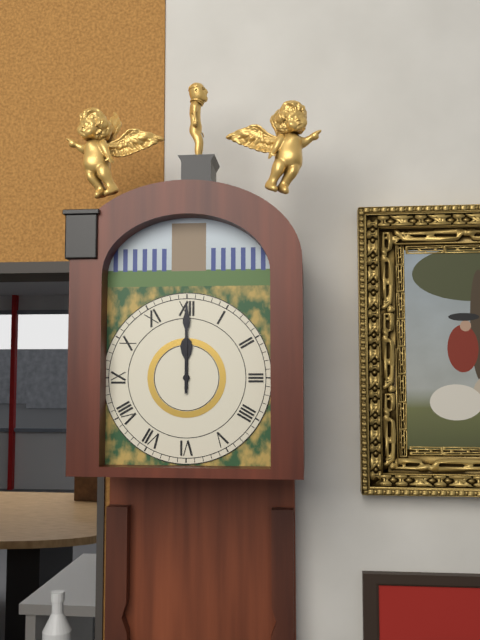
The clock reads 12:00
